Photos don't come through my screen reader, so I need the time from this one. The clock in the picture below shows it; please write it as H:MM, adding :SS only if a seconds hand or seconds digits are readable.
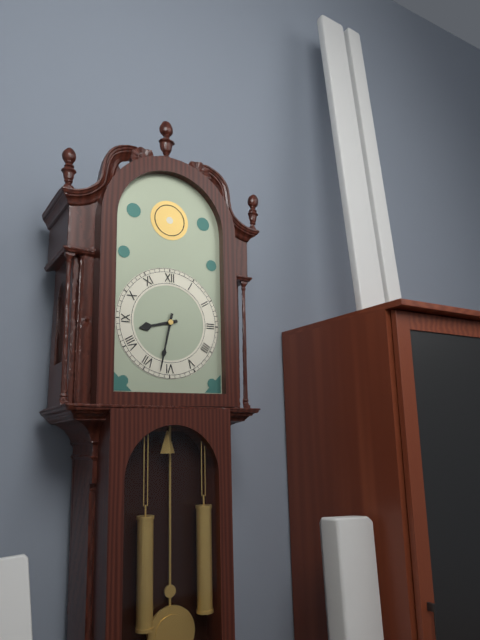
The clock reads 8:32
